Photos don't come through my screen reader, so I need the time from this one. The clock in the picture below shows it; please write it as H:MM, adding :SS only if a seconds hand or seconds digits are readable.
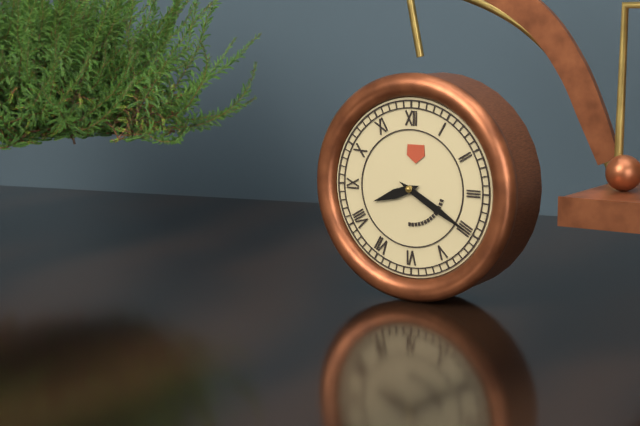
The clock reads 8:20
